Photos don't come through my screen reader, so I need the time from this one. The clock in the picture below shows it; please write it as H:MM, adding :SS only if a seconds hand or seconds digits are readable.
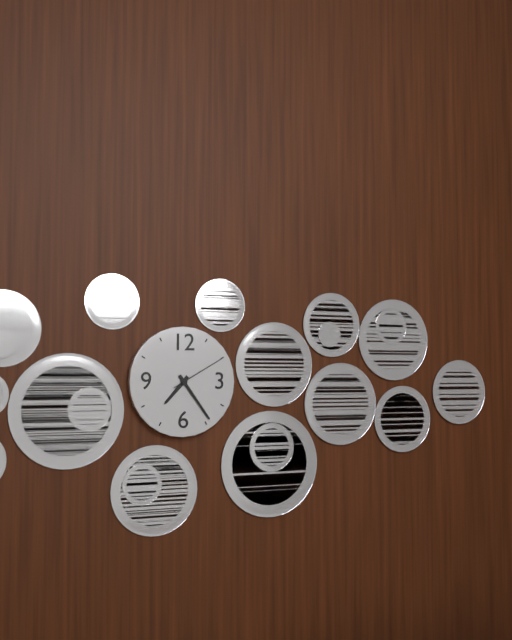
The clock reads 7:24:10
